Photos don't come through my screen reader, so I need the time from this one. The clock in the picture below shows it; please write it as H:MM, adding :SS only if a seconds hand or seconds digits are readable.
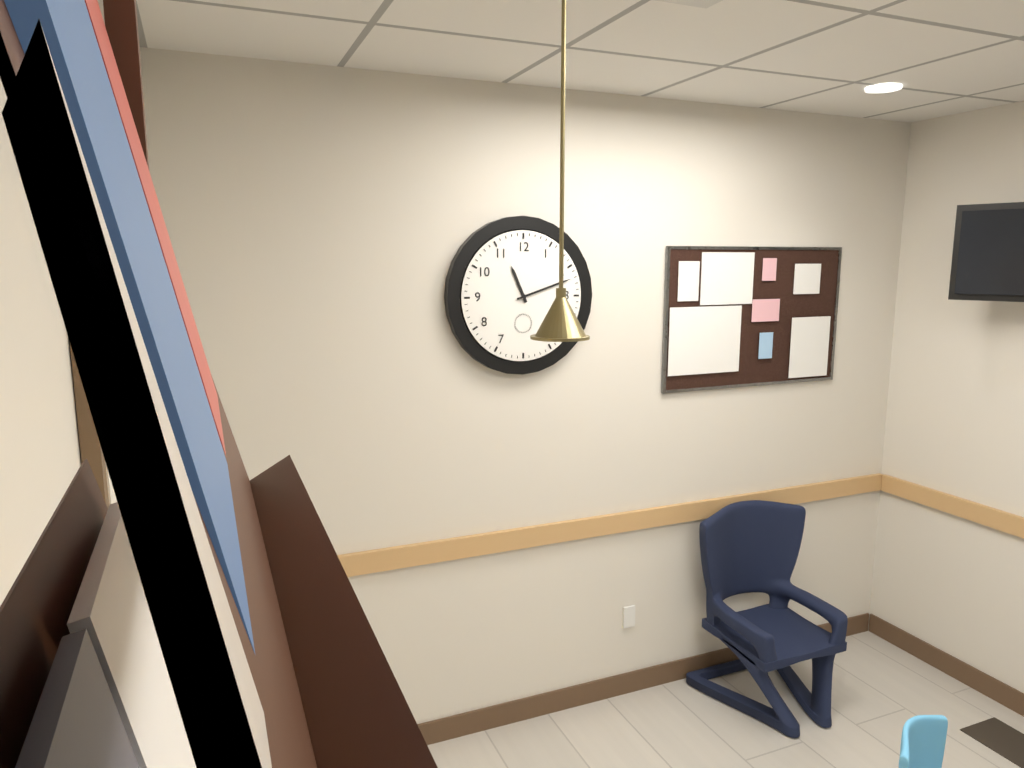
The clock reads 11:12
